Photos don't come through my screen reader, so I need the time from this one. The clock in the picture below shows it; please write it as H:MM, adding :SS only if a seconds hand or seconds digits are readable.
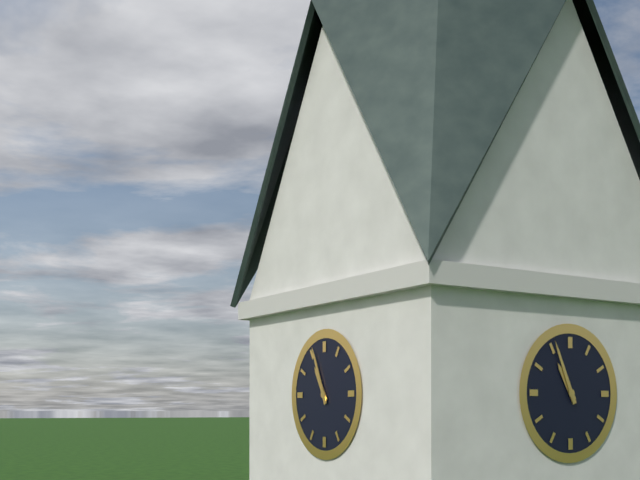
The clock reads 10:56
